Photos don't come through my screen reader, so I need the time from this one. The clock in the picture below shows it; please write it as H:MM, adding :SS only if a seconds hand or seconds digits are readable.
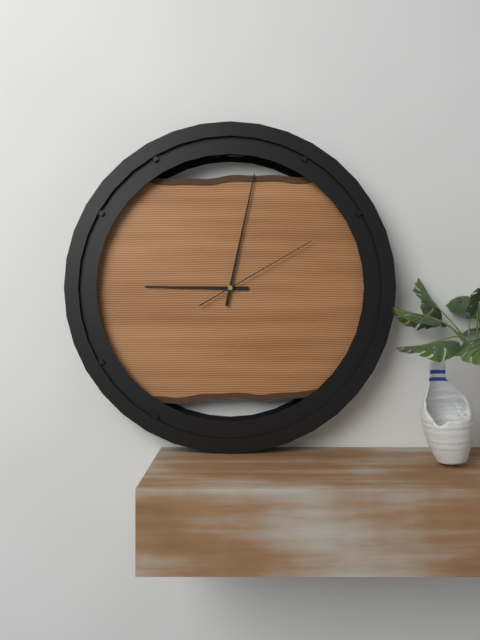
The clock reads 9:02:10
